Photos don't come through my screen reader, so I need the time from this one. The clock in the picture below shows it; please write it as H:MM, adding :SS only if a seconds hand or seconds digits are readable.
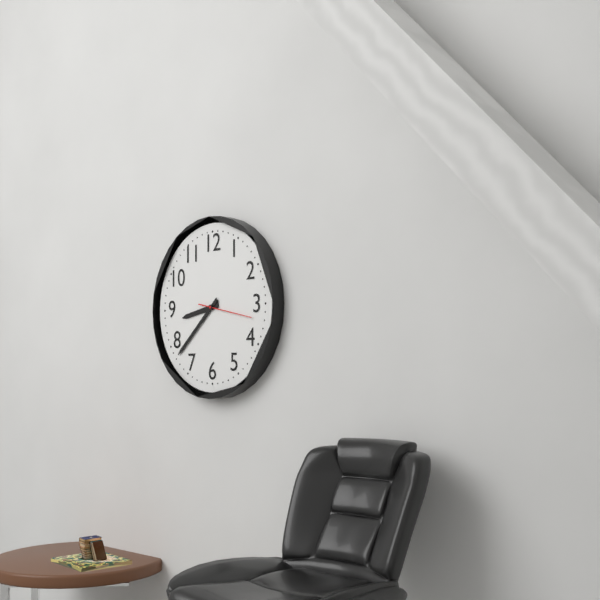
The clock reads 8:38:17
